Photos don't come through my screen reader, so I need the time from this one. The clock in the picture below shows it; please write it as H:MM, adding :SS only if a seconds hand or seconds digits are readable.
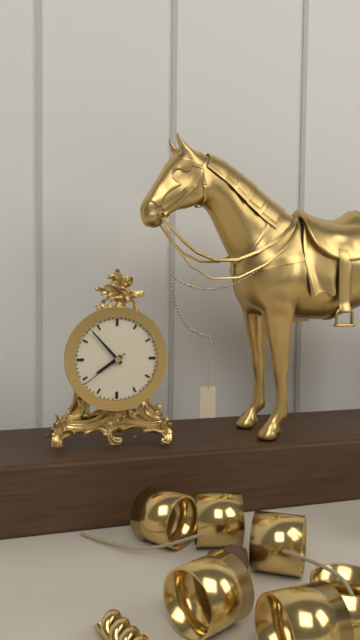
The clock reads 7:53:39
